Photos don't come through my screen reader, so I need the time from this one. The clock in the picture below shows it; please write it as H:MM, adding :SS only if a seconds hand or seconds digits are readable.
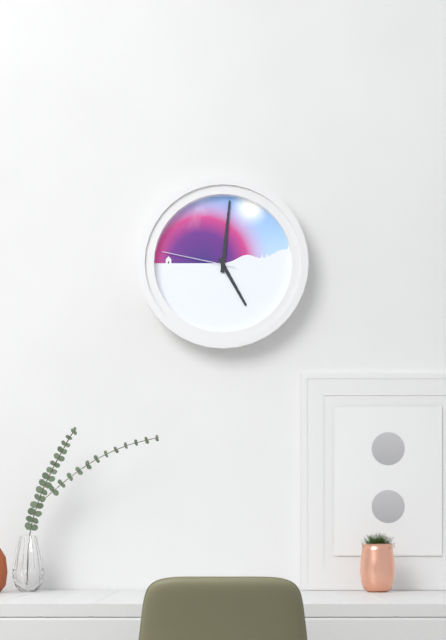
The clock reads 5:01:47
